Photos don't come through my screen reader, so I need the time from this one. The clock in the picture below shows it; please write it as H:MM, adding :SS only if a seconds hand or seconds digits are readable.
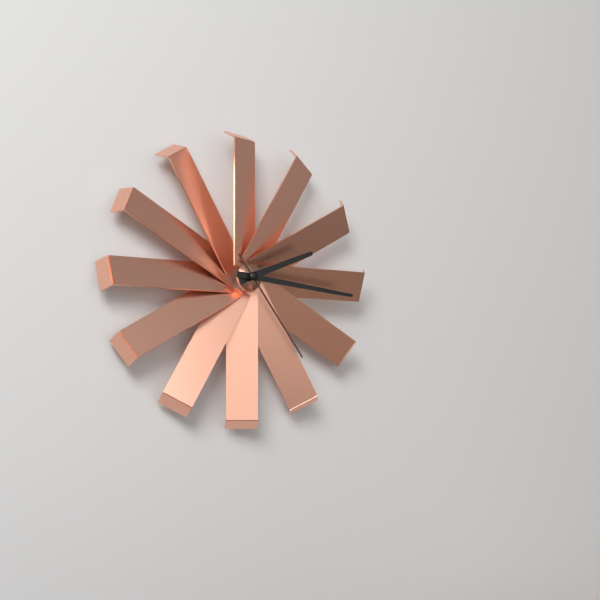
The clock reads 2:16:24
